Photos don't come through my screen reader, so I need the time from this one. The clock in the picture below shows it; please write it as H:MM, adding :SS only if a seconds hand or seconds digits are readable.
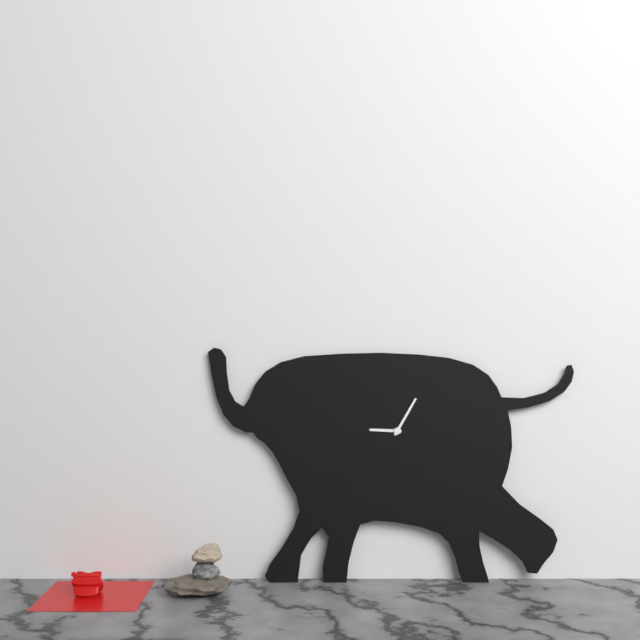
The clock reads 9:05
